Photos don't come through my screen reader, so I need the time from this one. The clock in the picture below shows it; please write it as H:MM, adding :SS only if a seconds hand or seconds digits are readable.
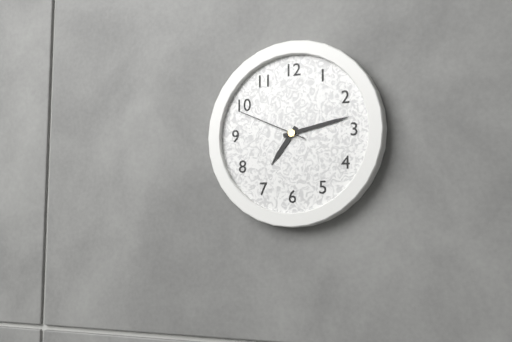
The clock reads 7:13:49
